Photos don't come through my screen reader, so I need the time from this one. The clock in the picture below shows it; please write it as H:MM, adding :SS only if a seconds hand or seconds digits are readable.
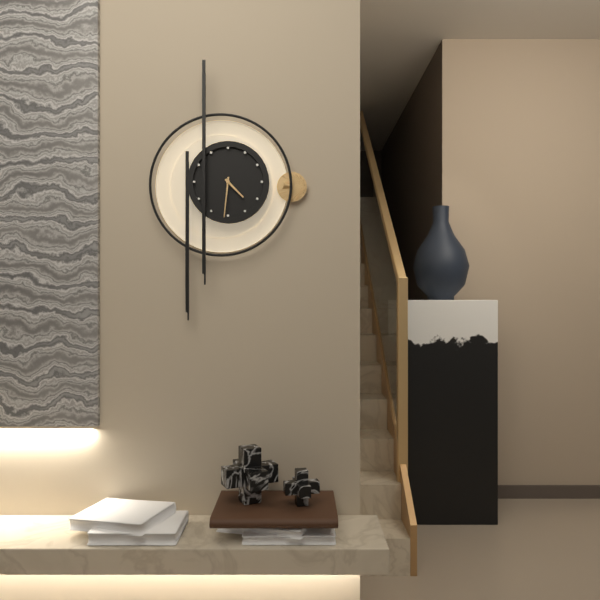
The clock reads 4:31
